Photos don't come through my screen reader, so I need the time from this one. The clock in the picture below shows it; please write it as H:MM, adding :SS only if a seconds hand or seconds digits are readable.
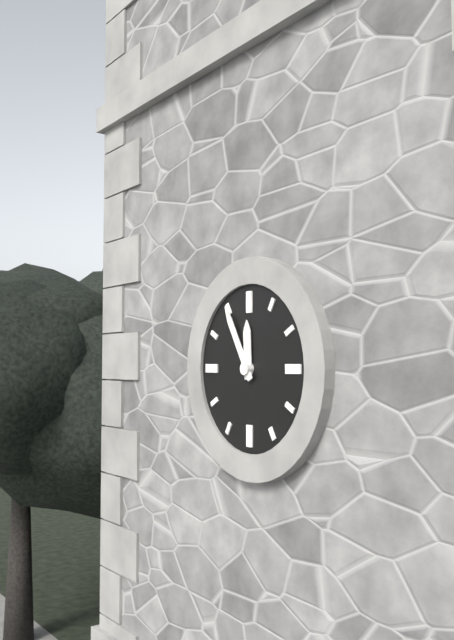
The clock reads 11:55
